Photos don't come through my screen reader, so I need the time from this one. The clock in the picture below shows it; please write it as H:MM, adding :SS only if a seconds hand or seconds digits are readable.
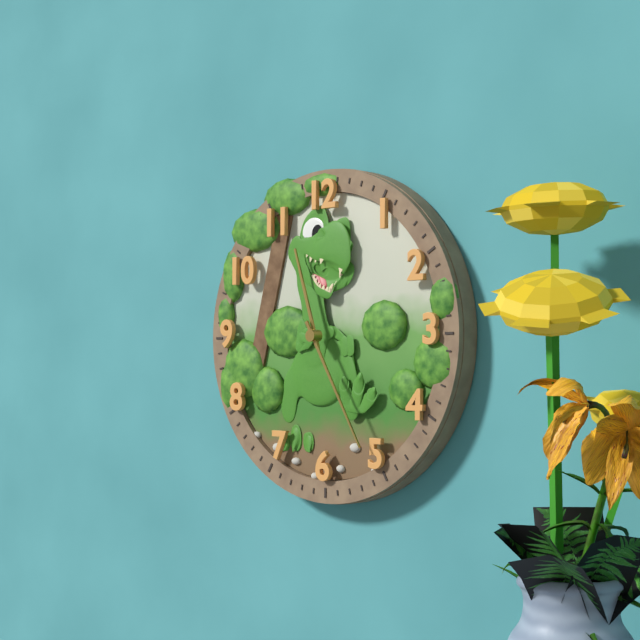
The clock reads 11:25
